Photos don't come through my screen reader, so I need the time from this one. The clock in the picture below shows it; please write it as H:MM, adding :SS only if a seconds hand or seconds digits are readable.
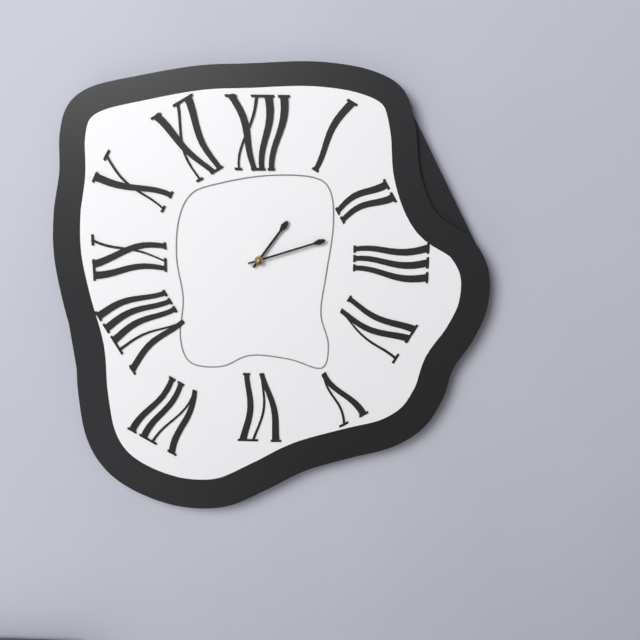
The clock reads 1:12
